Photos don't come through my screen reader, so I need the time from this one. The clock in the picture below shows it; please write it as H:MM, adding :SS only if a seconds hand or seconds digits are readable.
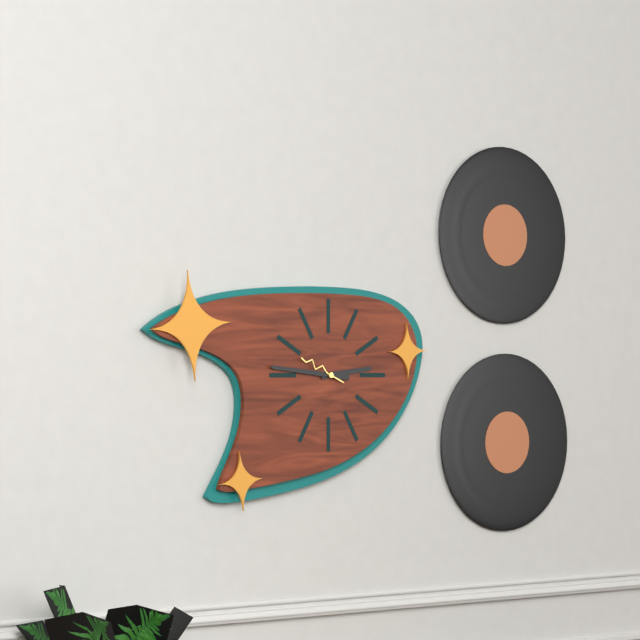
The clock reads 2:46
